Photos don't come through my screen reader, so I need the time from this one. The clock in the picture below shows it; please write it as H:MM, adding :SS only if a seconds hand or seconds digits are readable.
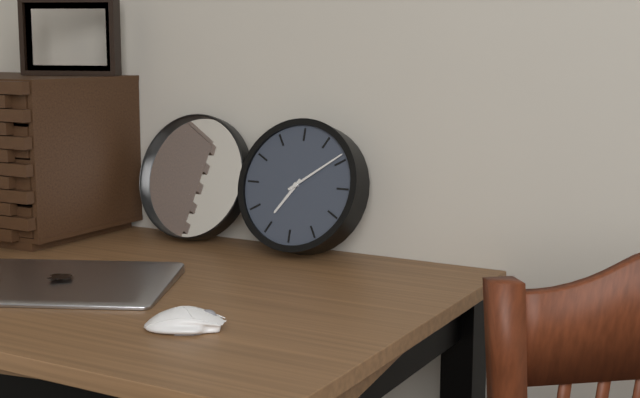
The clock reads 7:09
